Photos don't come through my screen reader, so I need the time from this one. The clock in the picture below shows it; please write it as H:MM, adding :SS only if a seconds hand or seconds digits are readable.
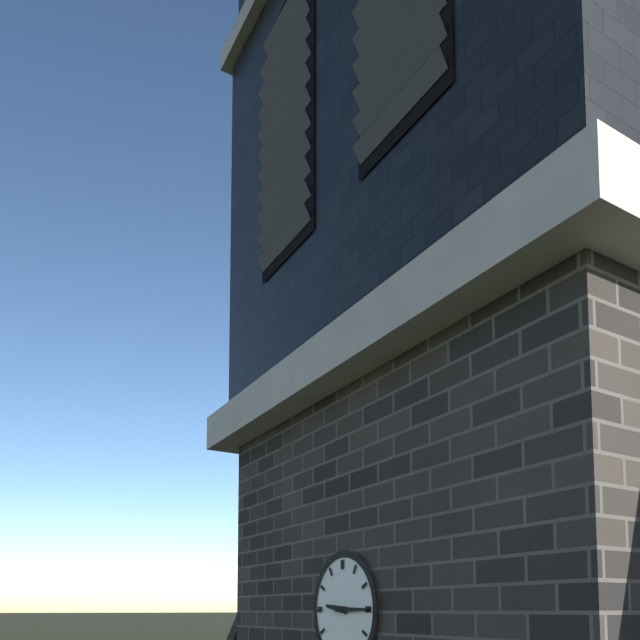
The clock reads 9:15
